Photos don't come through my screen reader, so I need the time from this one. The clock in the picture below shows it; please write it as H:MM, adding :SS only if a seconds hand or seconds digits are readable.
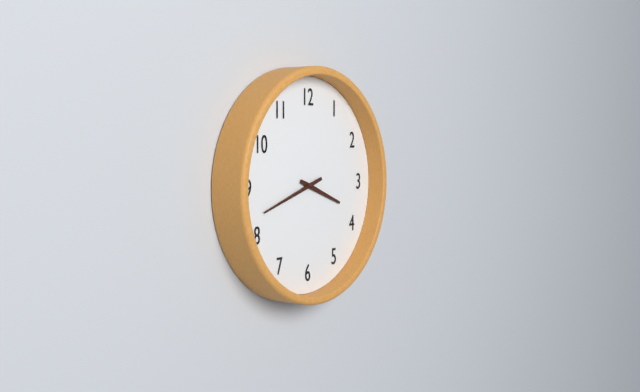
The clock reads 3:42
